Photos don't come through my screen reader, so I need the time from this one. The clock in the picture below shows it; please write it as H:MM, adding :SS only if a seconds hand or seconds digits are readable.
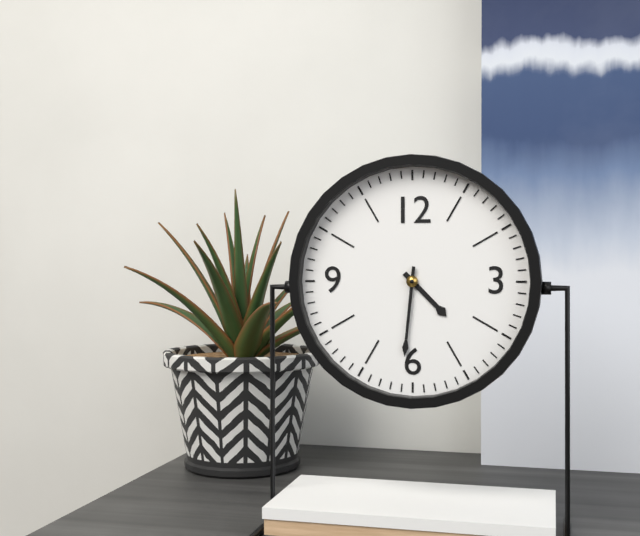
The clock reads 4:31
